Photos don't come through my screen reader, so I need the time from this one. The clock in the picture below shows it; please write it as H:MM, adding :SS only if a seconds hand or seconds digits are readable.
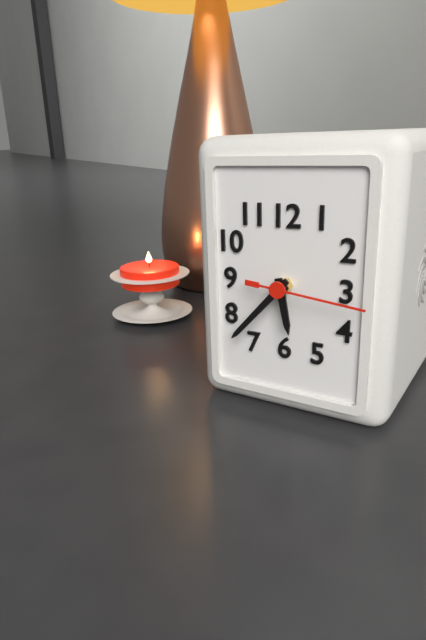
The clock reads 5:37:16
